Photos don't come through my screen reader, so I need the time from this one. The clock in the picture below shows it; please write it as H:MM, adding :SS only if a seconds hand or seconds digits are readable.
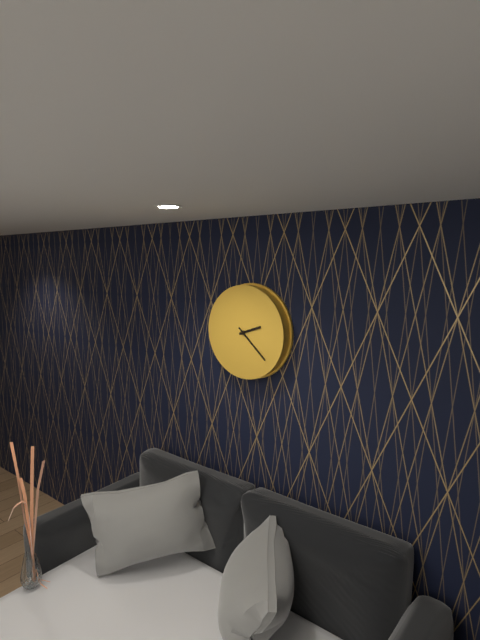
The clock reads 2:22
